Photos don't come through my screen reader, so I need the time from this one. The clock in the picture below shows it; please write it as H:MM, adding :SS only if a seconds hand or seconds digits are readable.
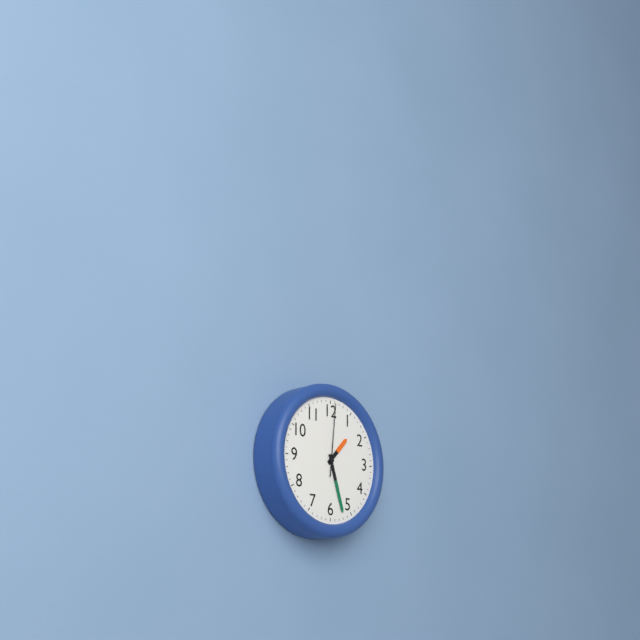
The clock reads 1:27:01
